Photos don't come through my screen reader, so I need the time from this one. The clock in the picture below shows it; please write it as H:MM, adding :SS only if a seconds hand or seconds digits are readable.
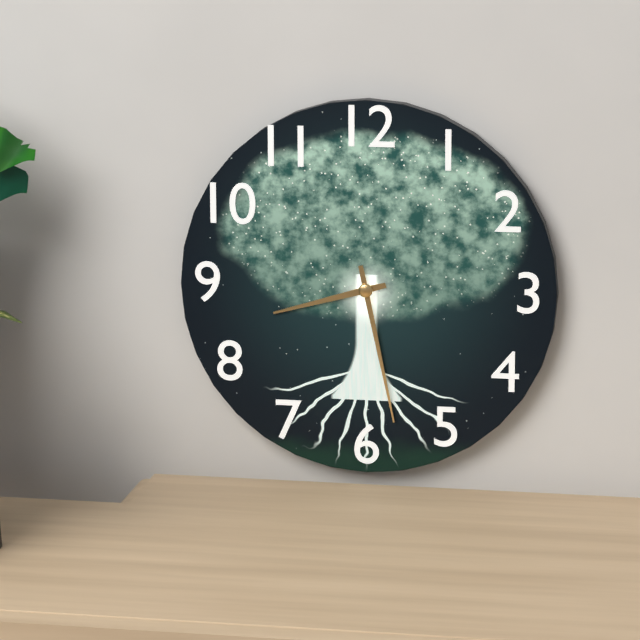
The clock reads 8:28
